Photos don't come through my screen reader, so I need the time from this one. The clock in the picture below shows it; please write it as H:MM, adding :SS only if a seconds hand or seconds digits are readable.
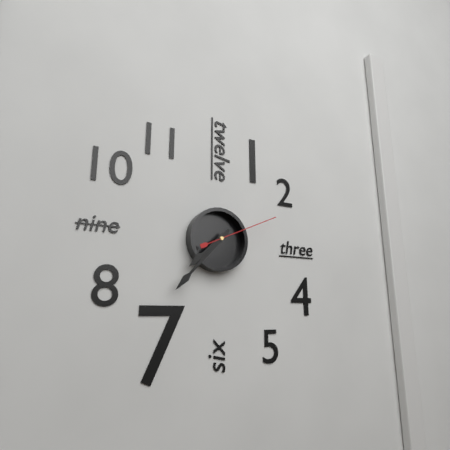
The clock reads 7:37:11
